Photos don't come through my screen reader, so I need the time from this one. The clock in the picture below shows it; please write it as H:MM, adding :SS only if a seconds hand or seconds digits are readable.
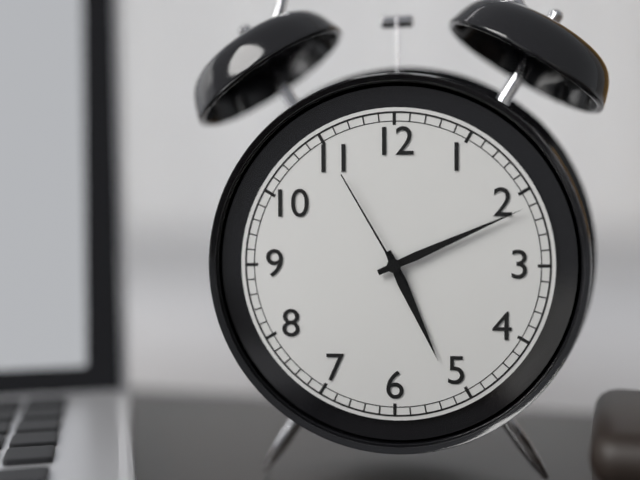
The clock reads 5:11:55
